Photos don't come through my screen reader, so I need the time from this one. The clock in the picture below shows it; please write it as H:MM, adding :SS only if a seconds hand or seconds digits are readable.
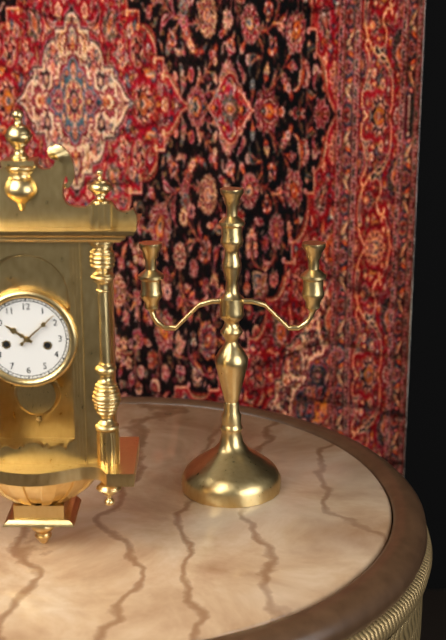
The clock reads 10:08
